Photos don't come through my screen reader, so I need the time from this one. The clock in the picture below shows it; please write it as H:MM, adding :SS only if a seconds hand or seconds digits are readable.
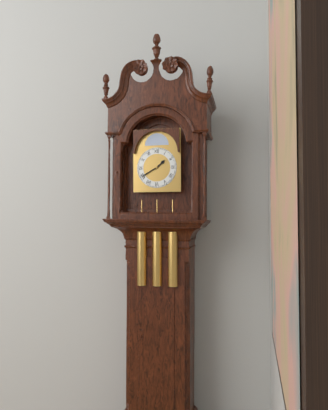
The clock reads 1:40
